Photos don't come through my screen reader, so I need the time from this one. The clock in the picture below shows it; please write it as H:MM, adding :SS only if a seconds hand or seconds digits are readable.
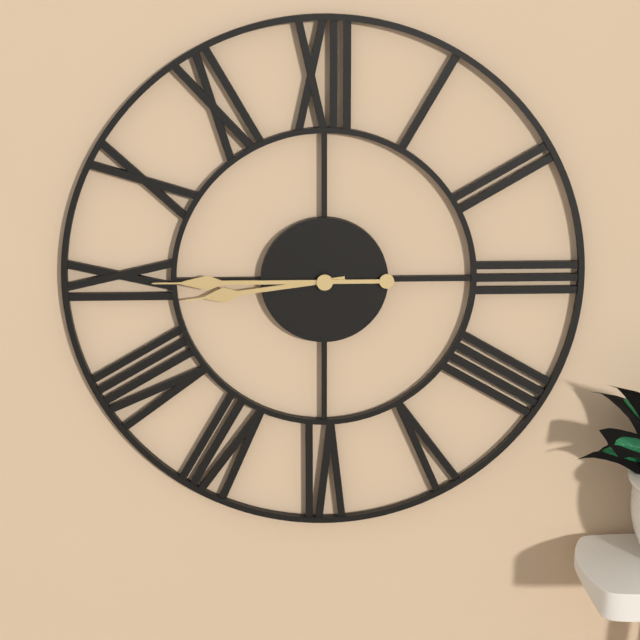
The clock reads 8:45
